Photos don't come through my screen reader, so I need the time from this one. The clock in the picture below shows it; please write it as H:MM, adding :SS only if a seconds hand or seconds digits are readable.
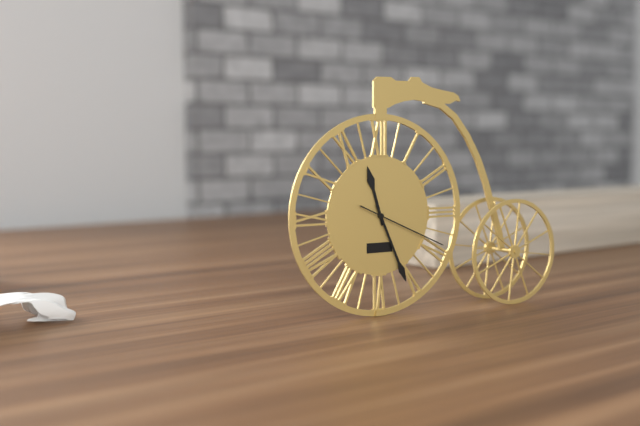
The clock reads 11:26:19
